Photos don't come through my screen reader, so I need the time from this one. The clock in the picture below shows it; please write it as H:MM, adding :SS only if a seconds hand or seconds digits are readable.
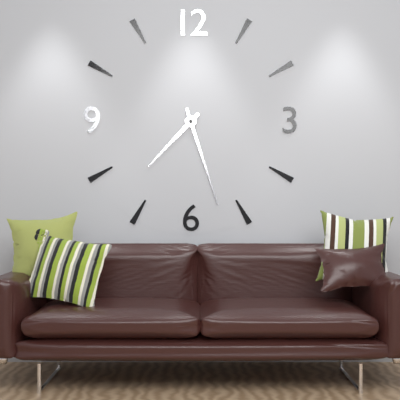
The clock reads 7:27
